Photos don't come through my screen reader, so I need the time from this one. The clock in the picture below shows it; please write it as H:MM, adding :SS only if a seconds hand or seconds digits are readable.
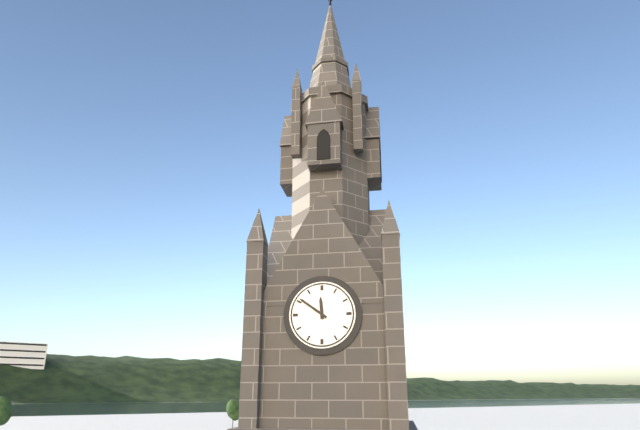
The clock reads 11:51
